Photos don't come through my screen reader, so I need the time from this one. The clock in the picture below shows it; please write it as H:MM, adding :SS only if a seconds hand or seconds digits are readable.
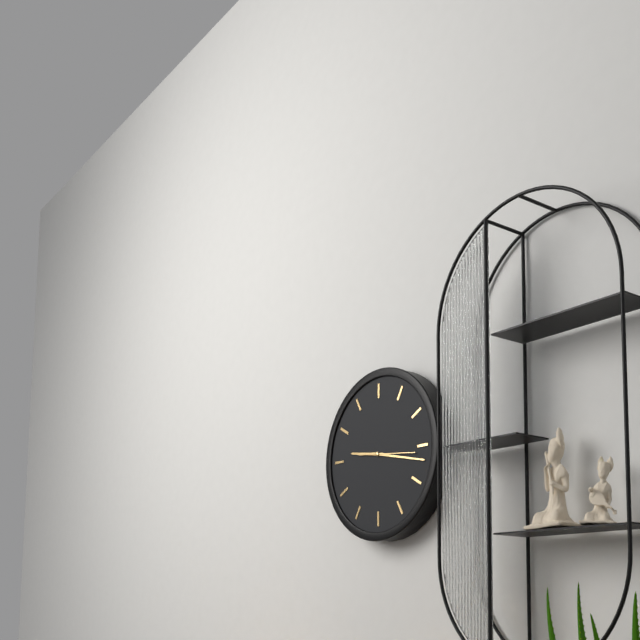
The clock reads 9:17
